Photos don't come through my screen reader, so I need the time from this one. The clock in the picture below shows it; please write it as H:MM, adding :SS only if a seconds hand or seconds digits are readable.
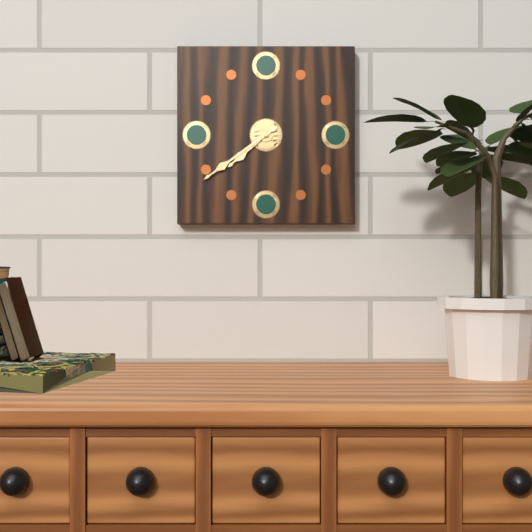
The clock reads 7:39
